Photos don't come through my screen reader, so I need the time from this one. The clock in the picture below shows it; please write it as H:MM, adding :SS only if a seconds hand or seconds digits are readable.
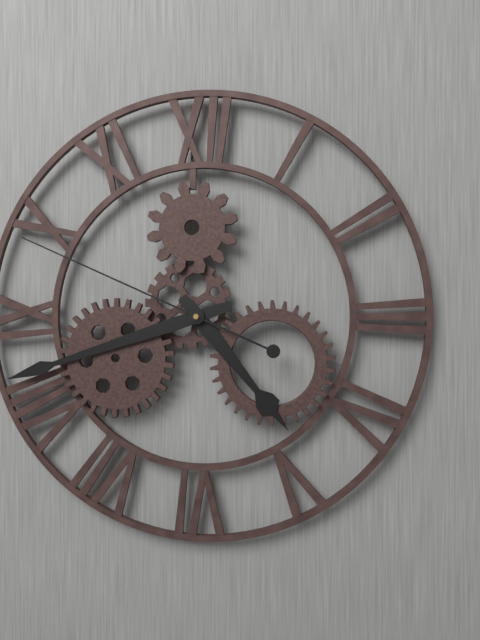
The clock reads 4:42:49
